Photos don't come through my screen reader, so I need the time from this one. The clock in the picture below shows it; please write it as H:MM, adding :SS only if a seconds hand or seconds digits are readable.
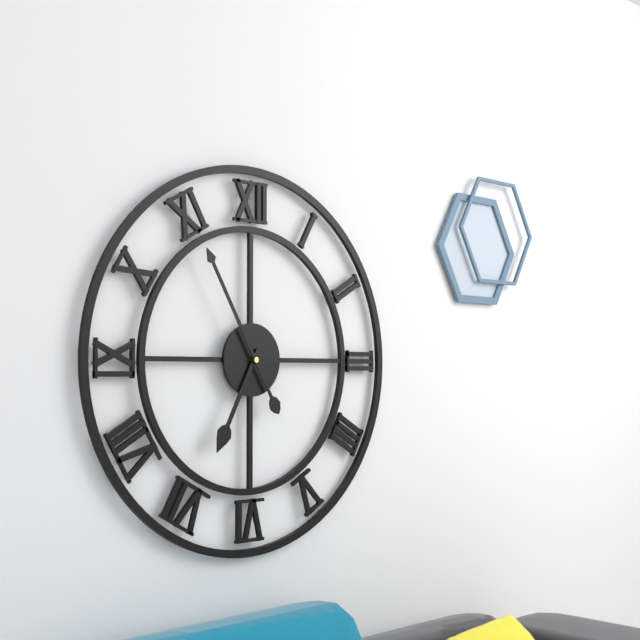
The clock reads 6:55
